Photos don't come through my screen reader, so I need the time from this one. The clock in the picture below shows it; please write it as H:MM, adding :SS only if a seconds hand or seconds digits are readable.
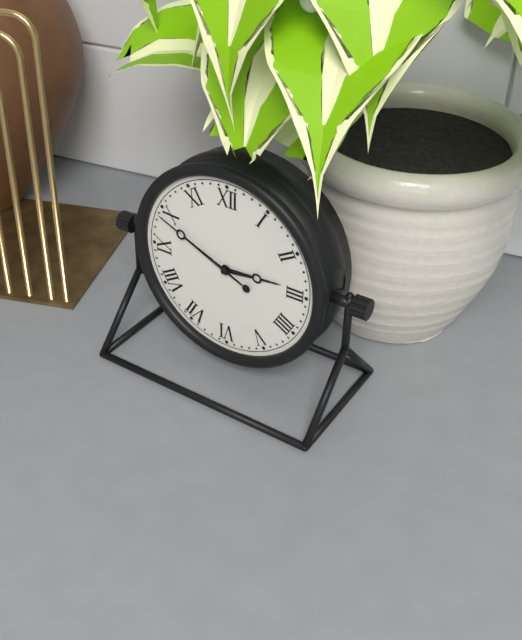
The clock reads 2:49
